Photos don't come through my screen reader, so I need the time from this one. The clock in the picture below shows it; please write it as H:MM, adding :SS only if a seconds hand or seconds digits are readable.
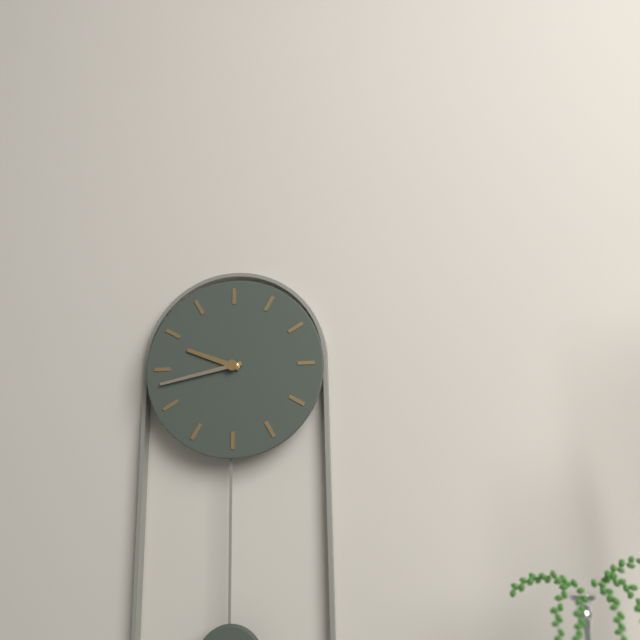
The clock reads 9:43
